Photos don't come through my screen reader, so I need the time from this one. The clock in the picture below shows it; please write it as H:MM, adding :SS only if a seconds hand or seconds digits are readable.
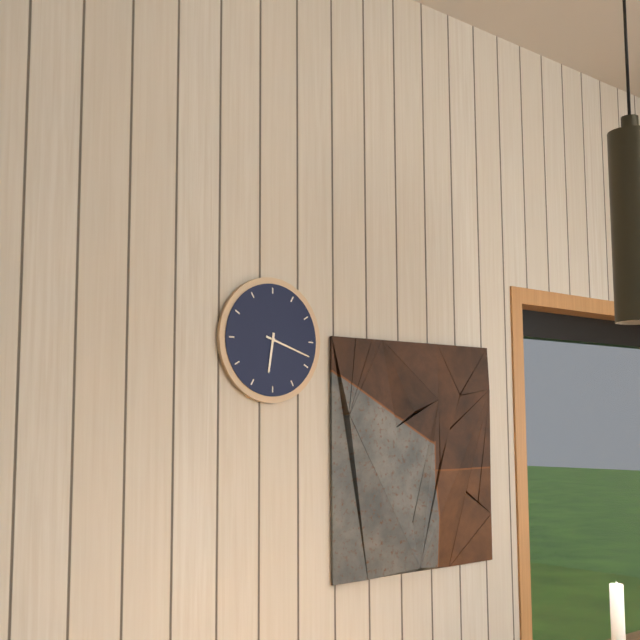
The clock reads 6:18
